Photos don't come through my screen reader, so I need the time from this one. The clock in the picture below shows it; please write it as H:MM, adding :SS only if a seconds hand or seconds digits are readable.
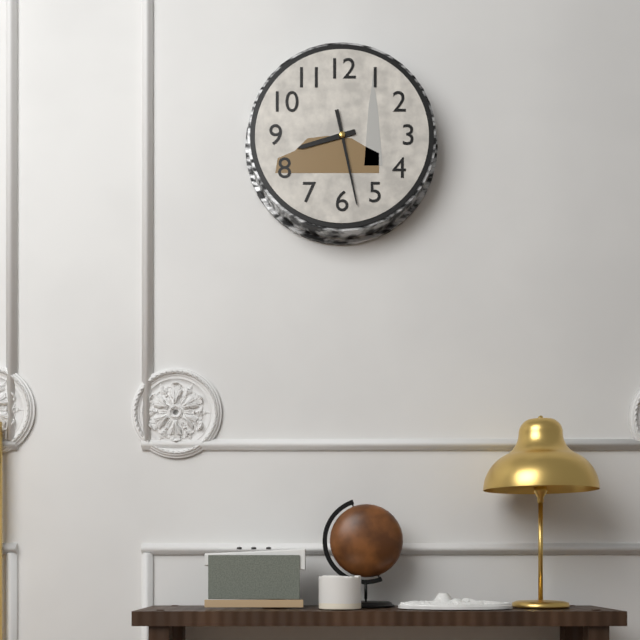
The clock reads 8:28
